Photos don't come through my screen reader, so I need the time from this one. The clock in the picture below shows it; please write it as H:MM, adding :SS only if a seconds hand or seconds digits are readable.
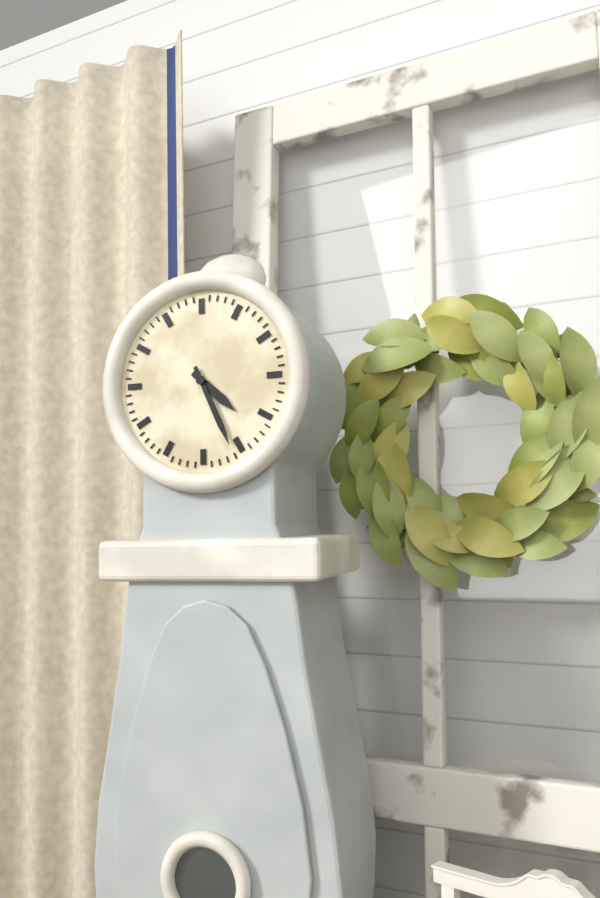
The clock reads 4:26
